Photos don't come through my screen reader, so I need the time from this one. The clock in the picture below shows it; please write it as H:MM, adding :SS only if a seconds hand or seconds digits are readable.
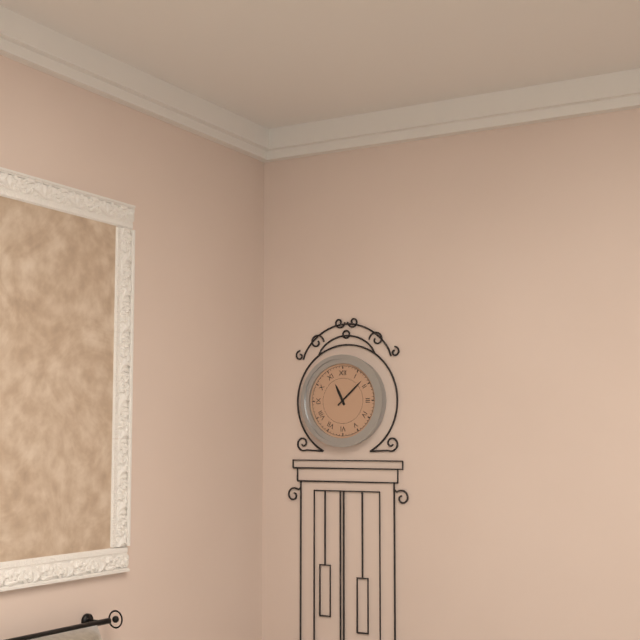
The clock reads 11:08
